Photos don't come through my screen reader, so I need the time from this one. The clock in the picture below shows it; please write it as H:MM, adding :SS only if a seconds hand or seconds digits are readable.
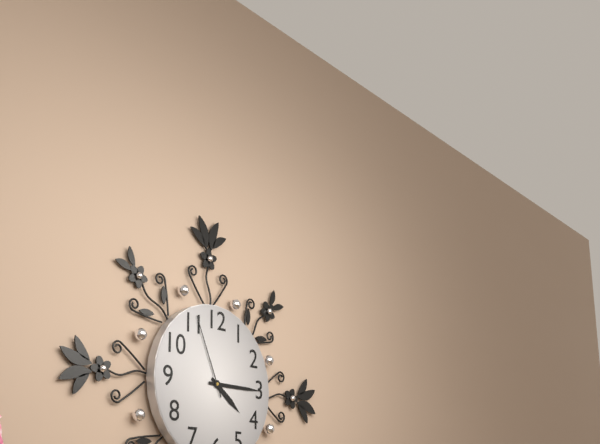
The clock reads 4:15:56
